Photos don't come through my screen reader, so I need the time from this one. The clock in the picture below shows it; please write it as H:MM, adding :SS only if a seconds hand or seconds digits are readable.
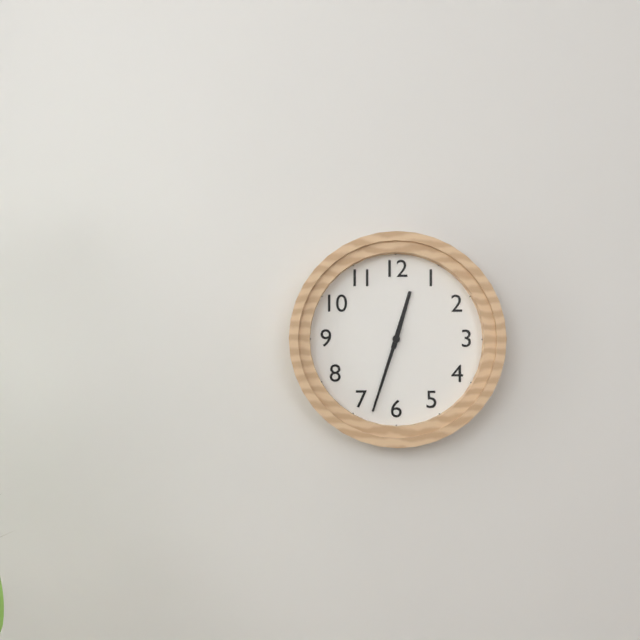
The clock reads 12:33
